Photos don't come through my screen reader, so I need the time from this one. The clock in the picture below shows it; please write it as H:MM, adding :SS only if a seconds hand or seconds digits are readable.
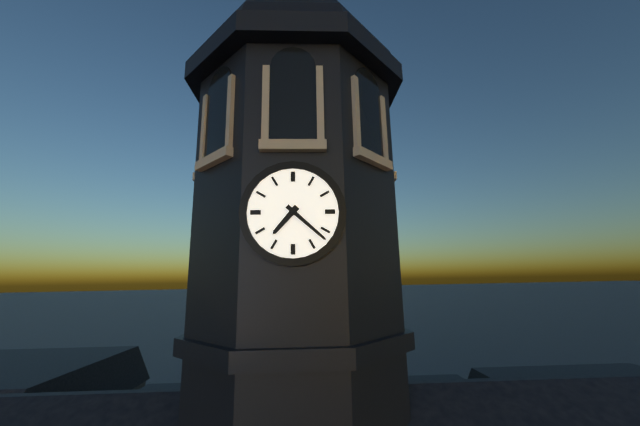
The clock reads 7:22
